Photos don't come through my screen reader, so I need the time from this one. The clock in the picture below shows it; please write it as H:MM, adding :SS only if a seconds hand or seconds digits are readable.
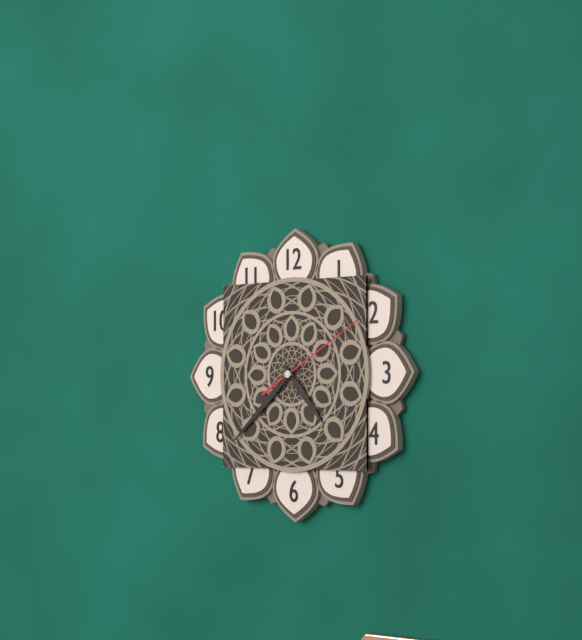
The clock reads 4:38:10
